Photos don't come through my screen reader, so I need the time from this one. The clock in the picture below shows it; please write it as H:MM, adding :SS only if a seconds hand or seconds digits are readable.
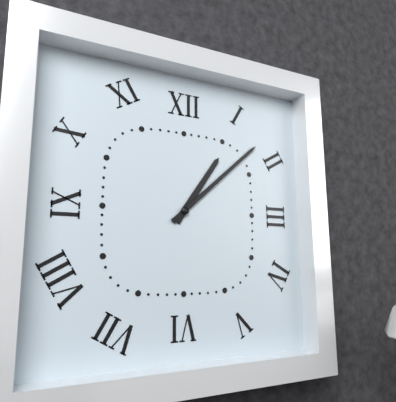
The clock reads 1:08
